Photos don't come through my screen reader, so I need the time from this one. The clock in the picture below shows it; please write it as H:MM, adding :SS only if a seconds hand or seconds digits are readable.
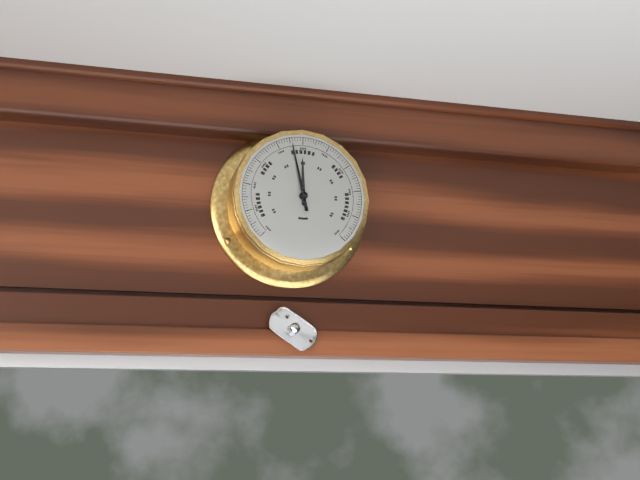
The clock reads 11:58
